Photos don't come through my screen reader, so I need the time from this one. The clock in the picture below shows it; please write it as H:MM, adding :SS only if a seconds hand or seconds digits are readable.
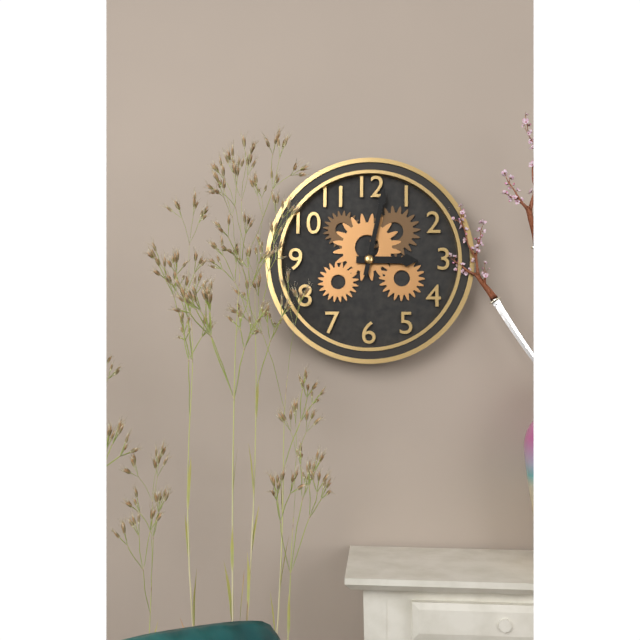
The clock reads 3:02
